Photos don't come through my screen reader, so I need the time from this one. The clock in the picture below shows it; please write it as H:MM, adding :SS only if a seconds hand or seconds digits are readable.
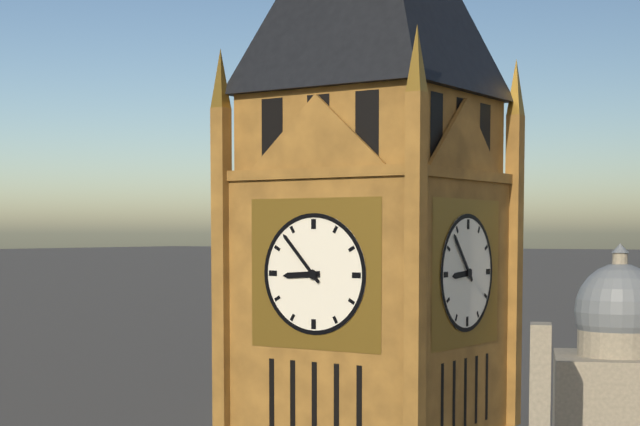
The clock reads 8:53
